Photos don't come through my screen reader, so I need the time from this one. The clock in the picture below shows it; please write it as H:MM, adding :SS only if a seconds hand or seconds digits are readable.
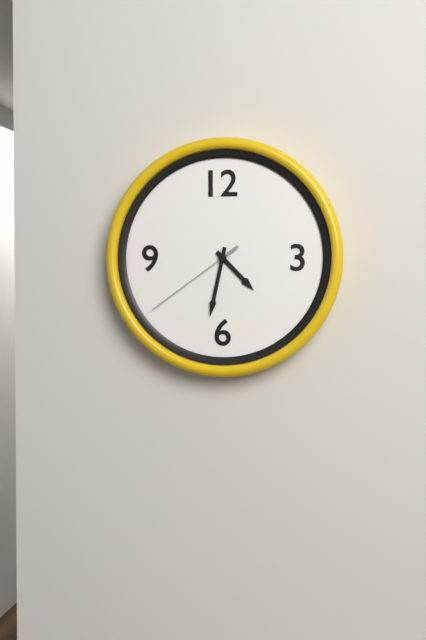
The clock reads 4:32:39
